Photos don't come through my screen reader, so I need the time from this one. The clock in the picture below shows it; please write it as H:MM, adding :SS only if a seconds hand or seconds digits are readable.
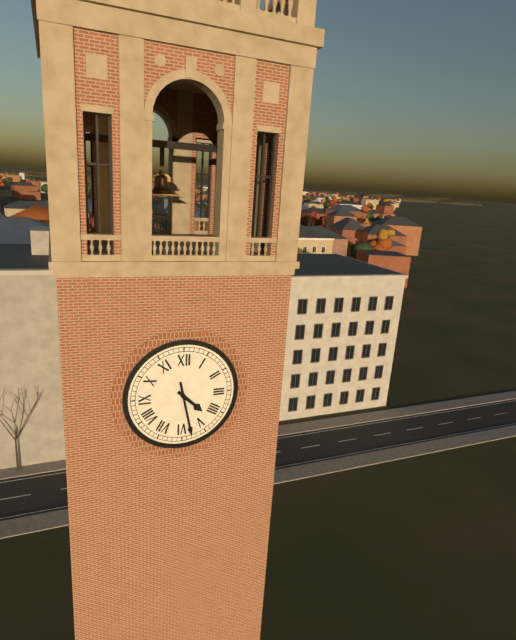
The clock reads 4:28
